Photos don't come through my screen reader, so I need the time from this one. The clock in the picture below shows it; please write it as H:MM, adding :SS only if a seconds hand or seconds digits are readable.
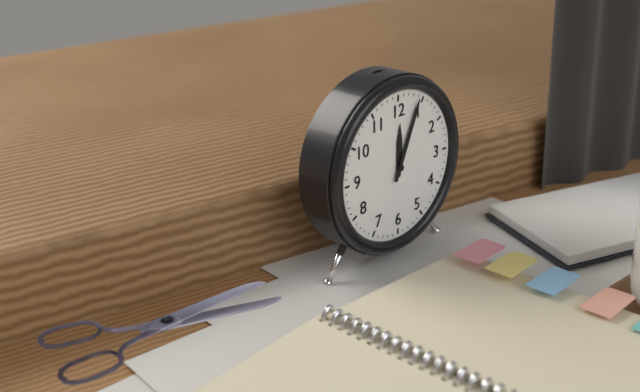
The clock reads 12:04
